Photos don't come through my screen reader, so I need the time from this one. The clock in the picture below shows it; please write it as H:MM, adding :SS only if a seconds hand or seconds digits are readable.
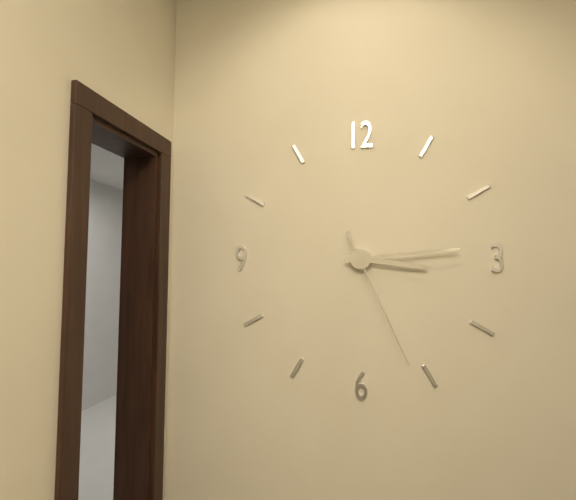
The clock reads 3:14:26
